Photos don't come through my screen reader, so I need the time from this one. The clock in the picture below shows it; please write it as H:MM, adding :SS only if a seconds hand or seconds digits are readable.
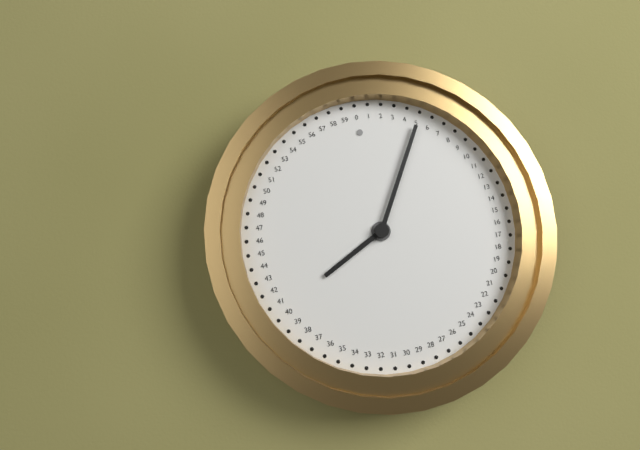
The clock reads 8:05
